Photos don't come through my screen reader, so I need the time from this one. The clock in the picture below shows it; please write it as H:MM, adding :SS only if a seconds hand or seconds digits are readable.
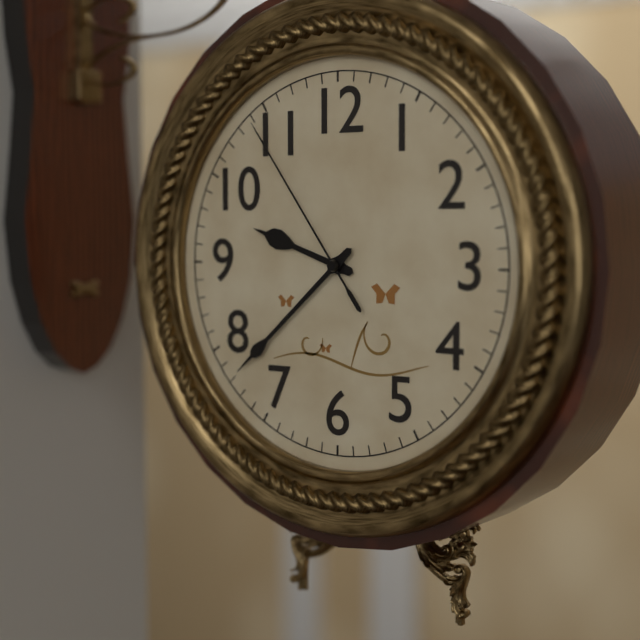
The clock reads 9:38:54
